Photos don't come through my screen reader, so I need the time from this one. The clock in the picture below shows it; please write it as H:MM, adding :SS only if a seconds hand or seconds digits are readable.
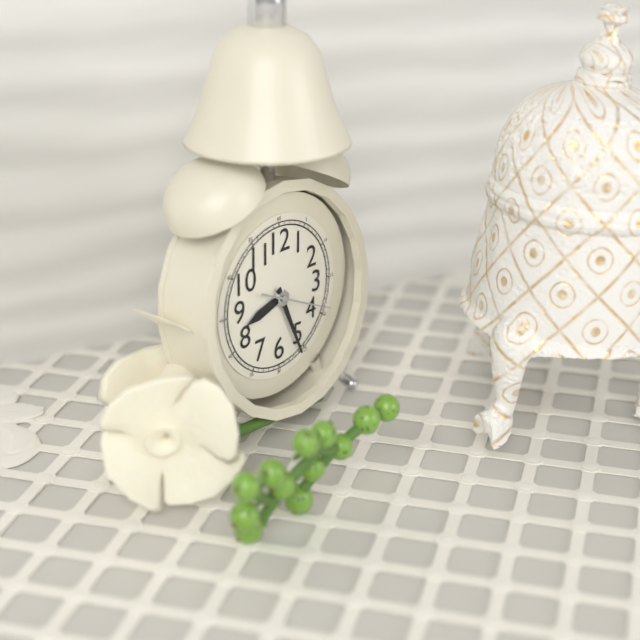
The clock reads 8:26:19
